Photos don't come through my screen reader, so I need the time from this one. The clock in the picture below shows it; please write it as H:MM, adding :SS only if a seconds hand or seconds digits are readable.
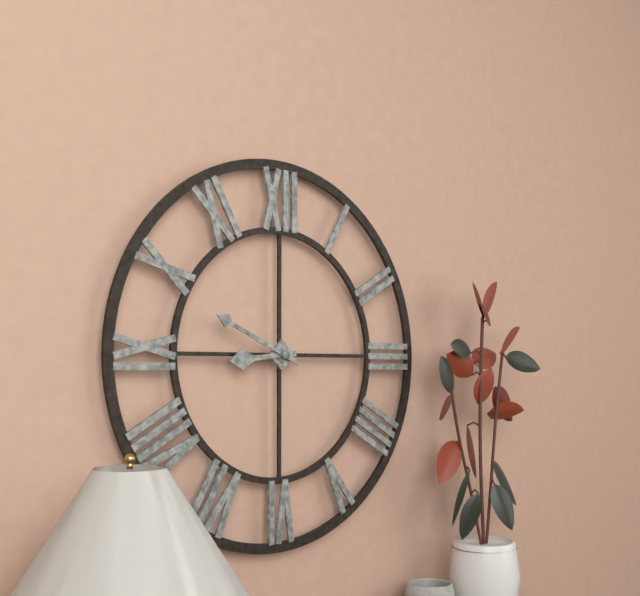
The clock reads 8:49
